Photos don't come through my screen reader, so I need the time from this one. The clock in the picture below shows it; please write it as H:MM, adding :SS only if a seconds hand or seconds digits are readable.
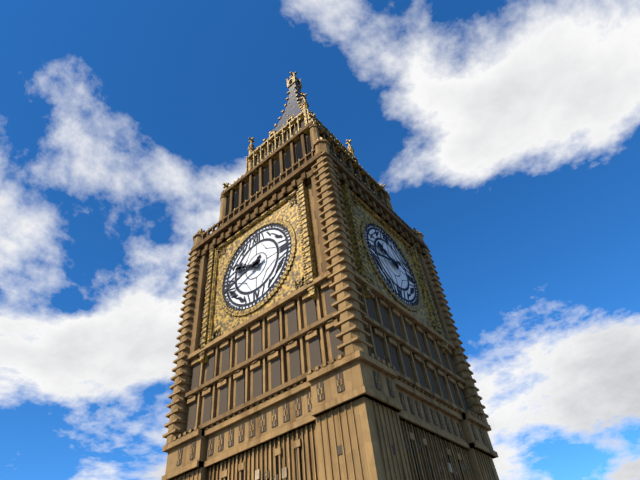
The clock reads 9:42
